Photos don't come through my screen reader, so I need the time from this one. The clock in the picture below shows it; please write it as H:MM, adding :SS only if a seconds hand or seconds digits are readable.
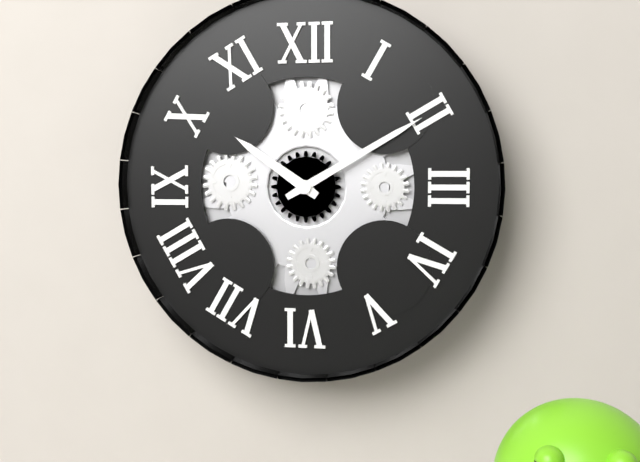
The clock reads 10:10
